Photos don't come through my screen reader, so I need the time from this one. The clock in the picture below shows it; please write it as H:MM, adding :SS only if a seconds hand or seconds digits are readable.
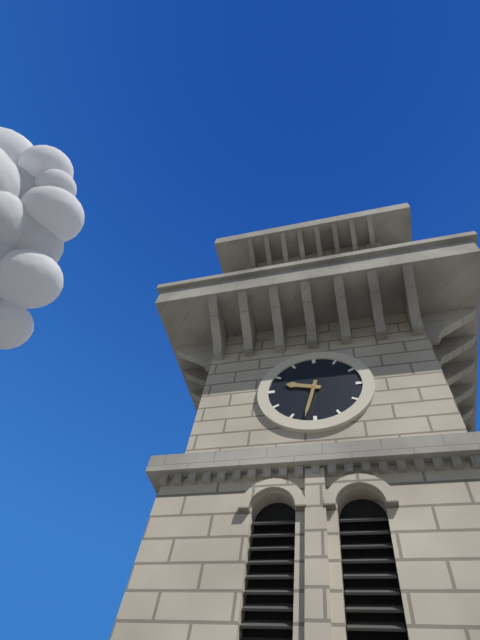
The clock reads 9:32
